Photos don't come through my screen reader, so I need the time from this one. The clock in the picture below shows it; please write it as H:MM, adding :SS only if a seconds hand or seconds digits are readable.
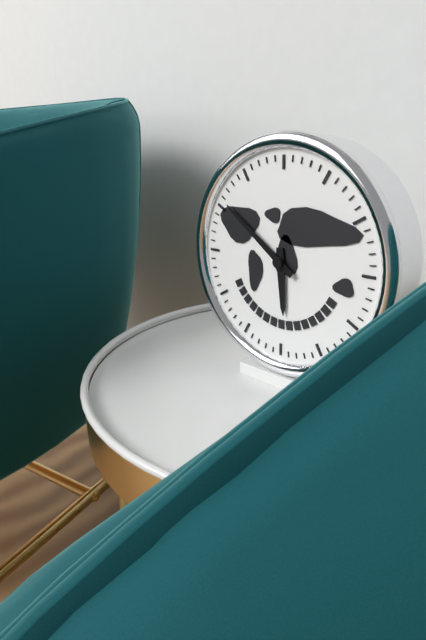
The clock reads 5:51
